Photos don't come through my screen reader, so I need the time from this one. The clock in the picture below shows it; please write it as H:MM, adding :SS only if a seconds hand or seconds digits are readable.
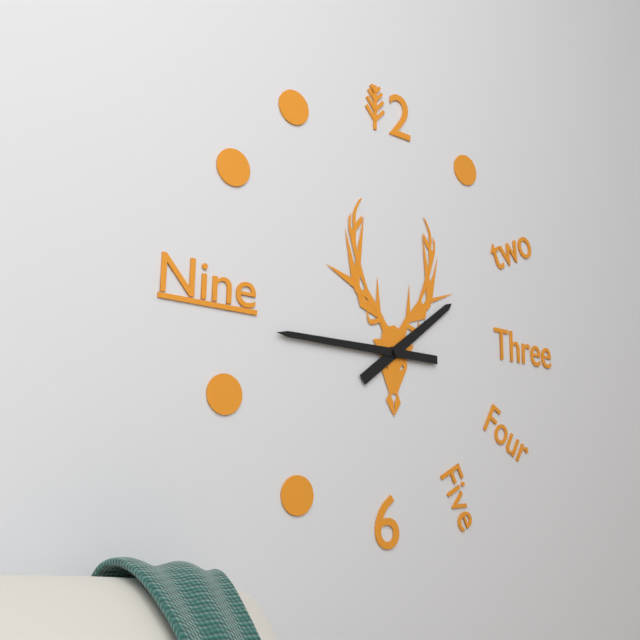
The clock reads 1:45
